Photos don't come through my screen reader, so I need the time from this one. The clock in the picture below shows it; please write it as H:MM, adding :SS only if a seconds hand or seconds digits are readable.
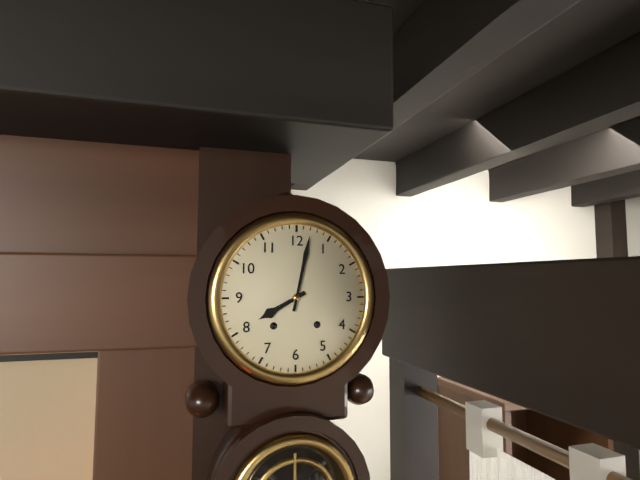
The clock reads 8:02
